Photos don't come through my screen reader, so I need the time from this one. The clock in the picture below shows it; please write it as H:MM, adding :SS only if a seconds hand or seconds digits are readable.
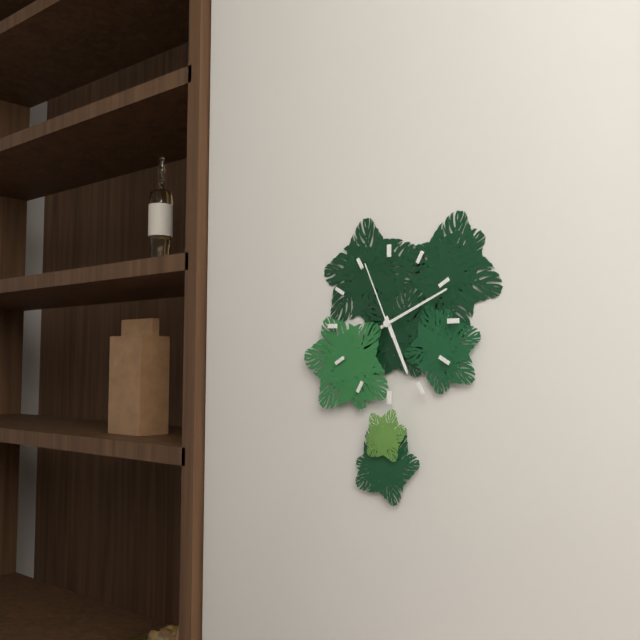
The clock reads 5:11:56
